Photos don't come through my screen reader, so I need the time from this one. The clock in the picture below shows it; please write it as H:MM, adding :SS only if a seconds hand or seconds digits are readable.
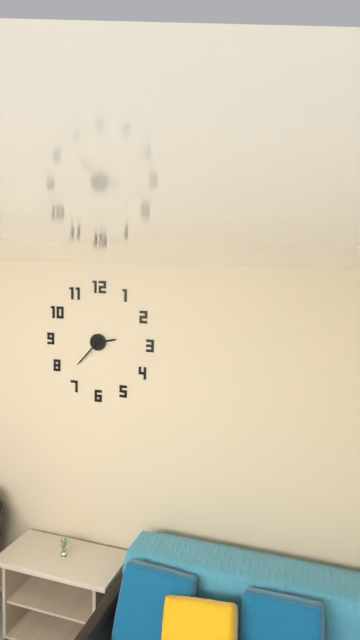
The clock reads 2:37
